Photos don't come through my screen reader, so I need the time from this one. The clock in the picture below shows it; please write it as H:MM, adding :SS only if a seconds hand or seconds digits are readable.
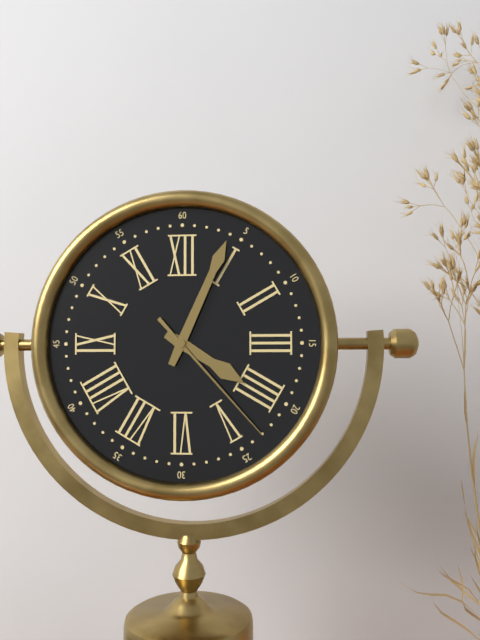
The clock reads 4:04:23
